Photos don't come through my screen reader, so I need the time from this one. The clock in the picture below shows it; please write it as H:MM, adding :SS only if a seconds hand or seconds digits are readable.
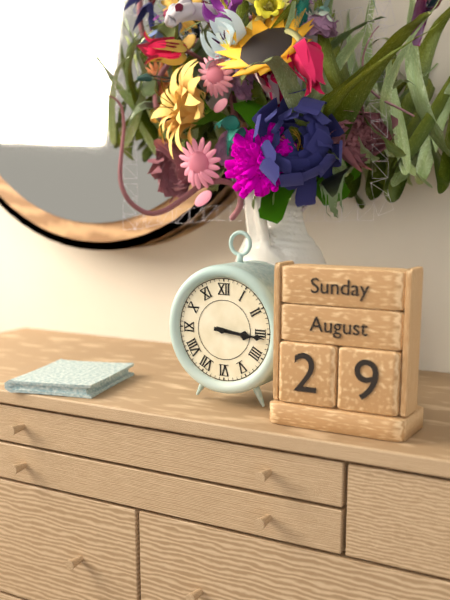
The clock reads 3:16
